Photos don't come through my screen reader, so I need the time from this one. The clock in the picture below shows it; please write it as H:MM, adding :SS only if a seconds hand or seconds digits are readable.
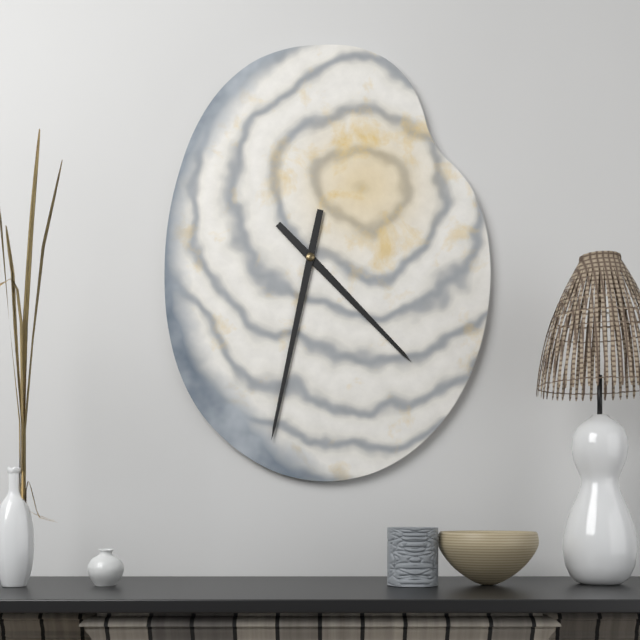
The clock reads 4:32
